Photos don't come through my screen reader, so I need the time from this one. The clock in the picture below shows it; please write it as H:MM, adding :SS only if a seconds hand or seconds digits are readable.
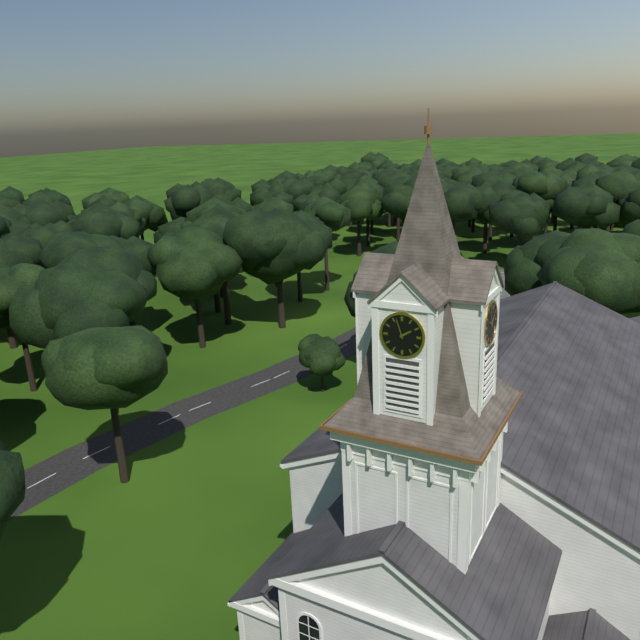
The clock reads 1:57
